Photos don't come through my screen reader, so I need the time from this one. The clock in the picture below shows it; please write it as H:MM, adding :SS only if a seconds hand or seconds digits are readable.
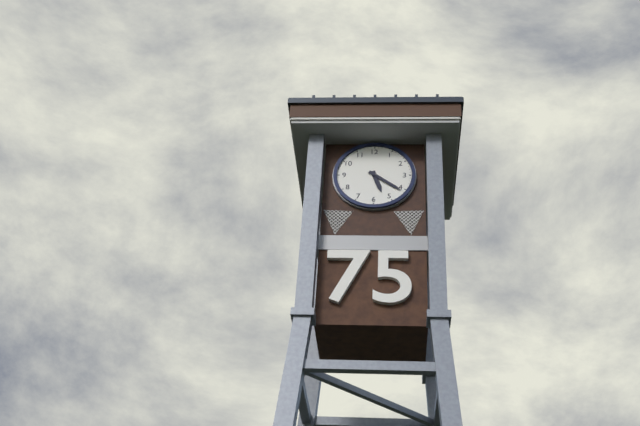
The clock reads 5:21
